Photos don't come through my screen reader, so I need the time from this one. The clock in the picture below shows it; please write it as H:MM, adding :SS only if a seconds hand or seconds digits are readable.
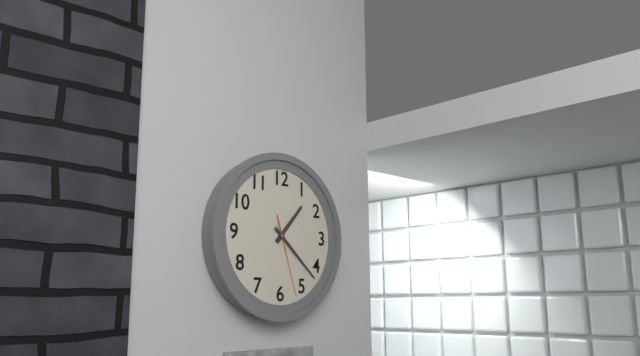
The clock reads 1:22:27
